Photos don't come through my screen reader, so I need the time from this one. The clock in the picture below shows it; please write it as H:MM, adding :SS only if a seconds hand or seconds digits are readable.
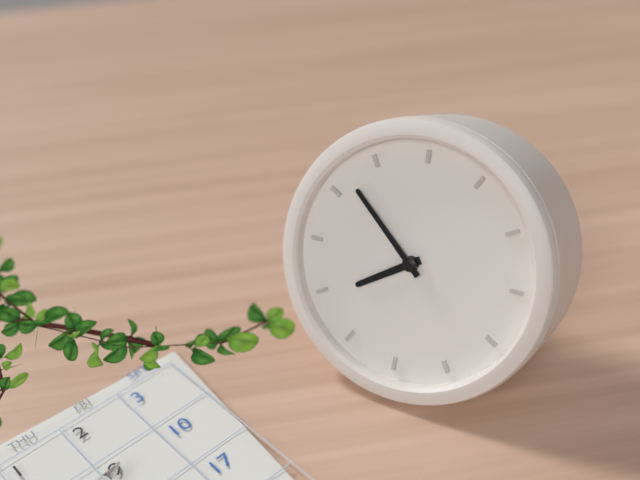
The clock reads 7:52
